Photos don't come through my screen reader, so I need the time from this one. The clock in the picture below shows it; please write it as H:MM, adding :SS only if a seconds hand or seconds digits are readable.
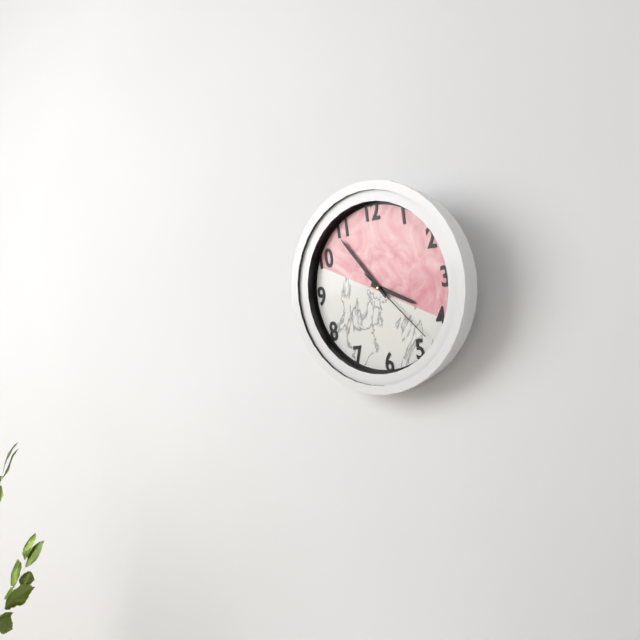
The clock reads 3:54:23
